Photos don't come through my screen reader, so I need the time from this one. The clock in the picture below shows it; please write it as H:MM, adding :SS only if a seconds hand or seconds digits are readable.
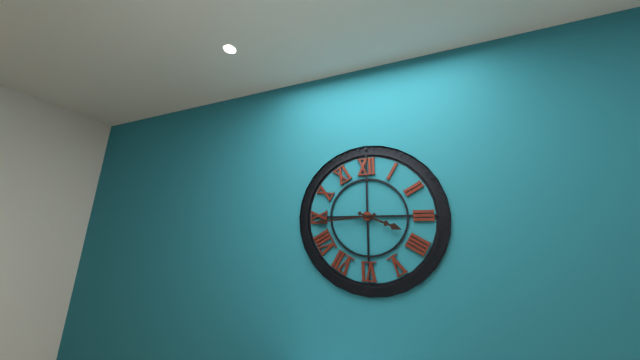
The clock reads 3:44
